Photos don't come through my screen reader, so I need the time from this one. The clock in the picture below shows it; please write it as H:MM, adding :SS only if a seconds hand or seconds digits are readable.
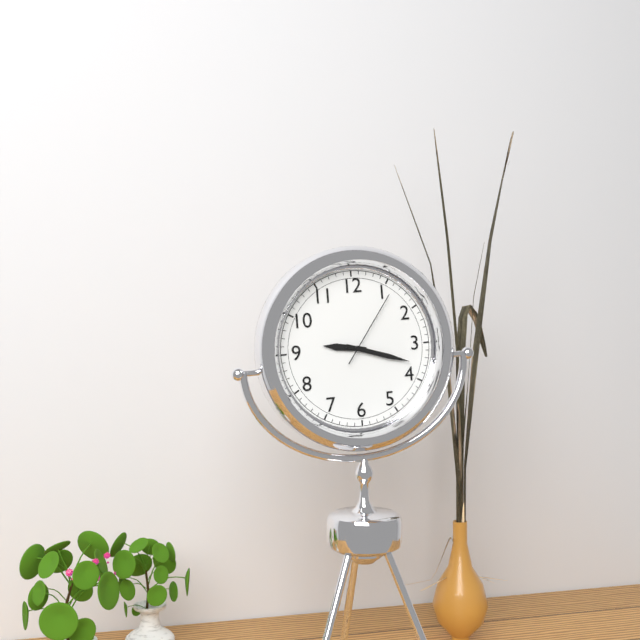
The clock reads 9:18:06
